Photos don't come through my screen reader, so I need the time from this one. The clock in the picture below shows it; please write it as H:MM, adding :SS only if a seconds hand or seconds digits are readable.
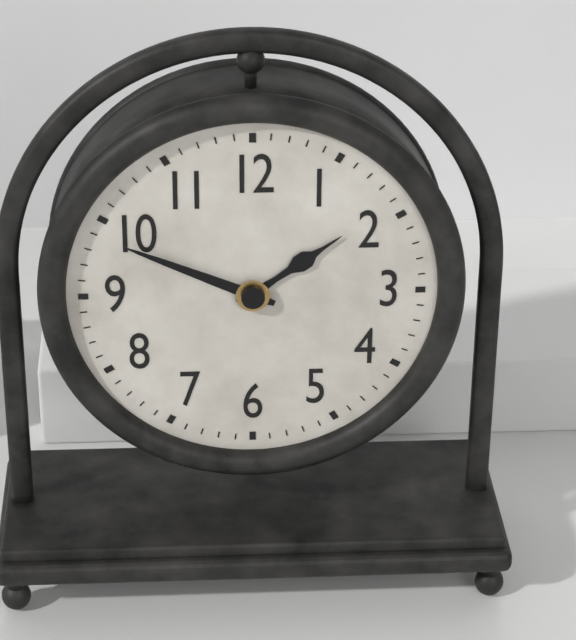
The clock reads 1:49
